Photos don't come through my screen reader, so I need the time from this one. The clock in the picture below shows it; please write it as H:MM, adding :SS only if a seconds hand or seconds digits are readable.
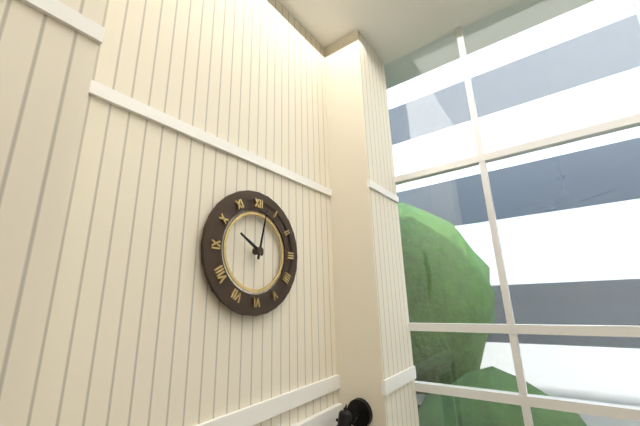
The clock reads 10:02
